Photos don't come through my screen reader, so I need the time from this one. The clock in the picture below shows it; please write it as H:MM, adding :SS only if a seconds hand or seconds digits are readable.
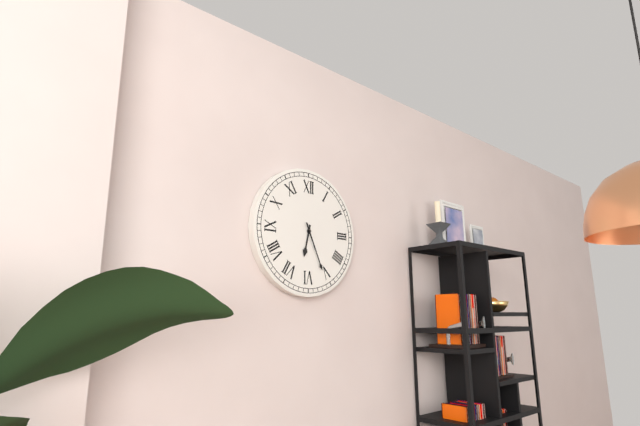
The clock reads 6:26
